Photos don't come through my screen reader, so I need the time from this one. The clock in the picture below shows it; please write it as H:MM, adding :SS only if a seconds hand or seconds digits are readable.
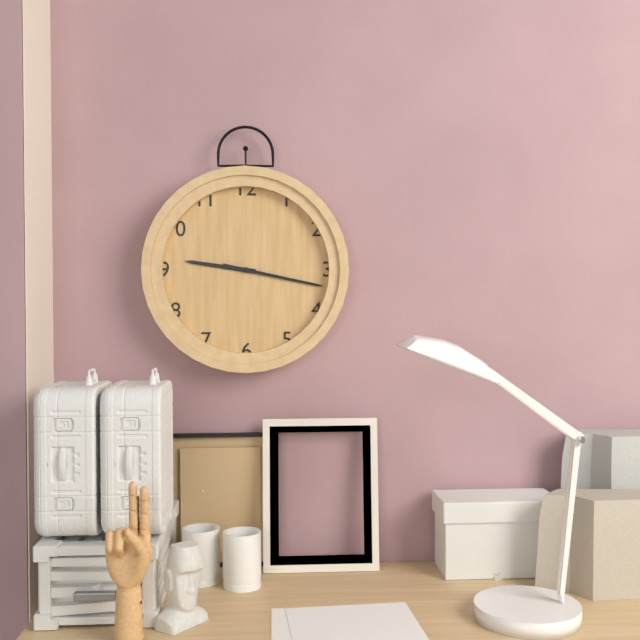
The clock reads 9:17
